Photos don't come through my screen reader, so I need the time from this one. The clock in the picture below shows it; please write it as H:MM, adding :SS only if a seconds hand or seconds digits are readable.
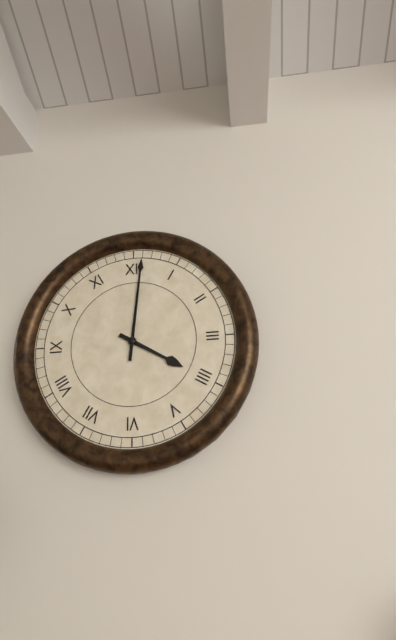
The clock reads 4:01
